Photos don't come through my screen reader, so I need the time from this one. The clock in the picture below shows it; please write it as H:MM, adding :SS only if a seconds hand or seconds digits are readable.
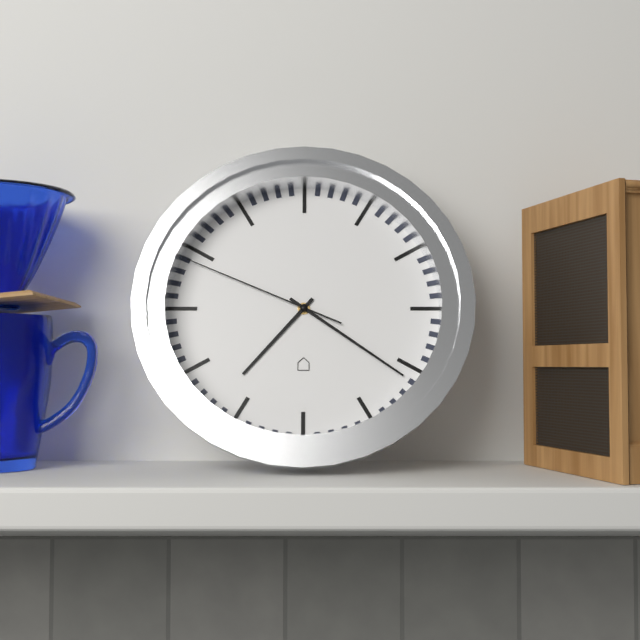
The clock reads 7:21:49
